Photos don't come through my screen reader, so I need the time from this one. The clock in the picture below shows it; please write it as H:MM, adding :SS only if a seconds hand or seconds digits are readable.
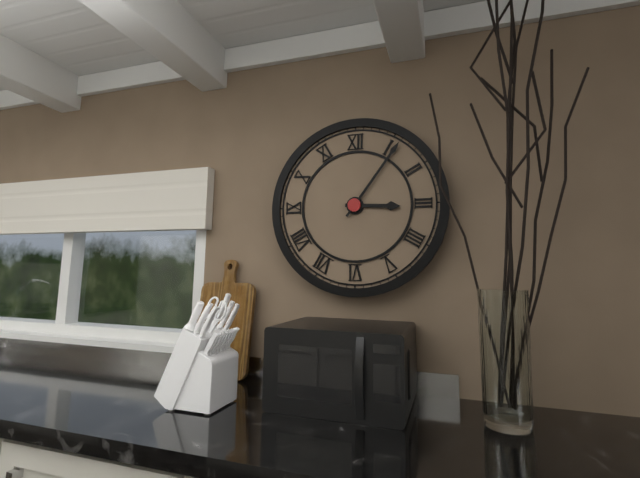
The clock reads 3:06
